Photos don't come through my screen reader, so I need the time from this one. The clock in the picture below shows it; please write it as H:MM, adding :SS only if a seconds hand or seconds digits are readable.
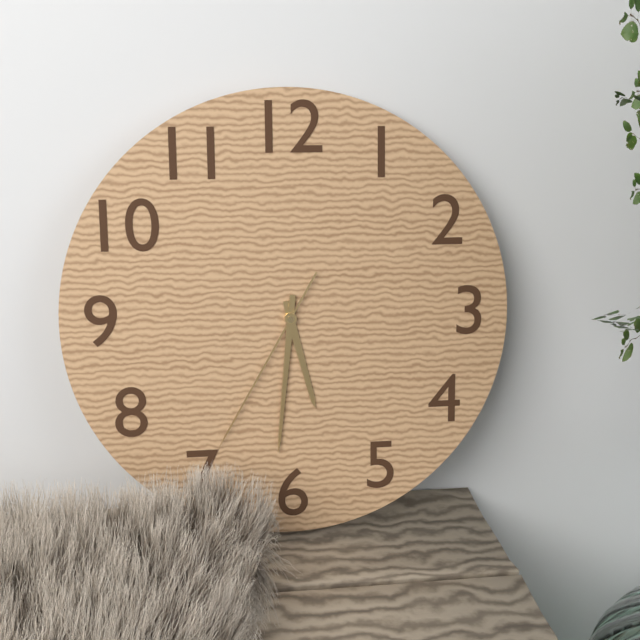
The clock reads 5:31:35
